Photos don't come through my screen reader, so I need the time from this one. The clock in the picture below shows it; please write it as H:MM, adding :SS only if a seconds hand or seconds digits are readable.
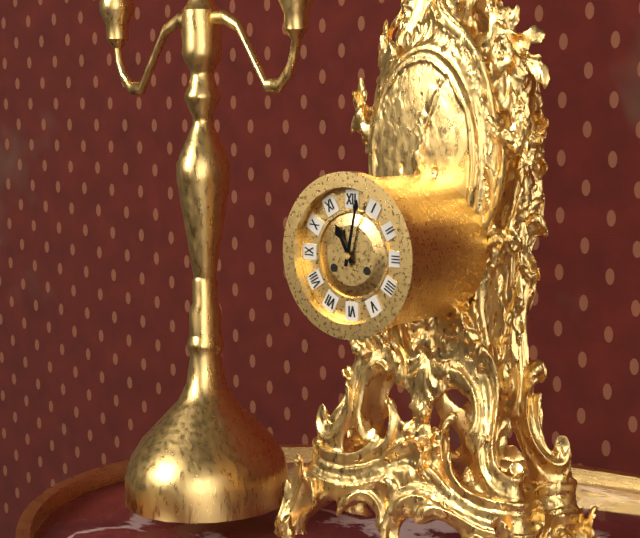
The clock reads 11:02
